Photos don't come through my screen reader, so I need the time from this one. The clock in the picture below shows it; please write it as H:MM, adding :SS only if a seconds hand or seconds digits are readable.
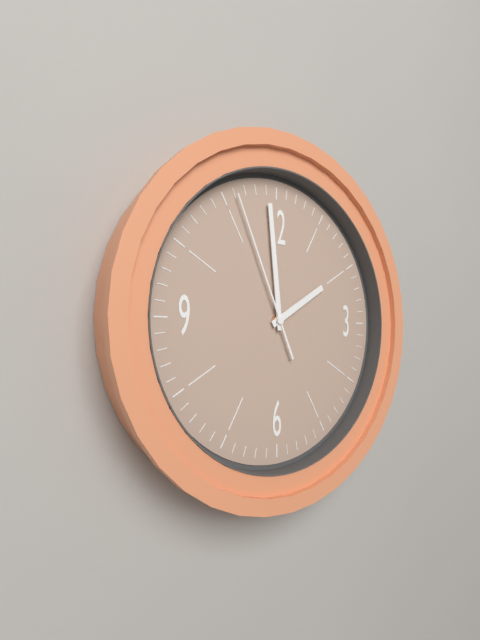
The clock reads 1:59:56
